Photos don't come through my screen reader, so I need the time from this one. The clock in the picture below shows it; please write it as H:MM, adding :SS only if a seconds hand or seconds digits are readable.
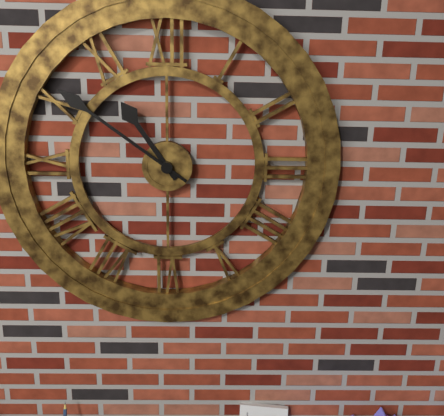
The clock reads 10:51
